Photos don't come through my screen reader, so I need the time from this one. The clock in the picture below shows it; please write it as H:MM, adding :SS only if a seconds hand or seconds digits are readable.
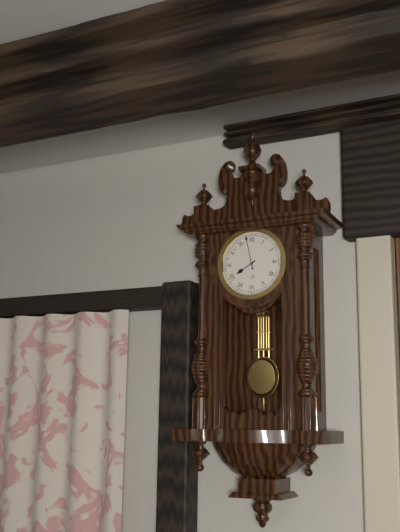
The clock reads 7:58
